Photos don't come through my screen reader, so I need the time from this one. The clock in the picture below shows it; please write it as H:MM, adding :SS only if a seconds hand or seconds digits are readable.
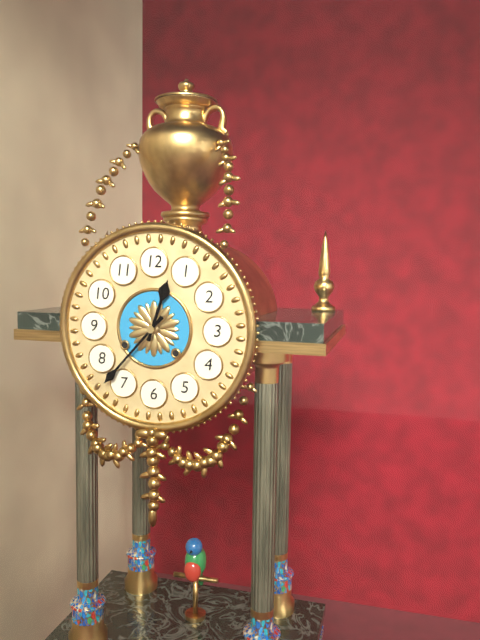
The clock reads 12:37
